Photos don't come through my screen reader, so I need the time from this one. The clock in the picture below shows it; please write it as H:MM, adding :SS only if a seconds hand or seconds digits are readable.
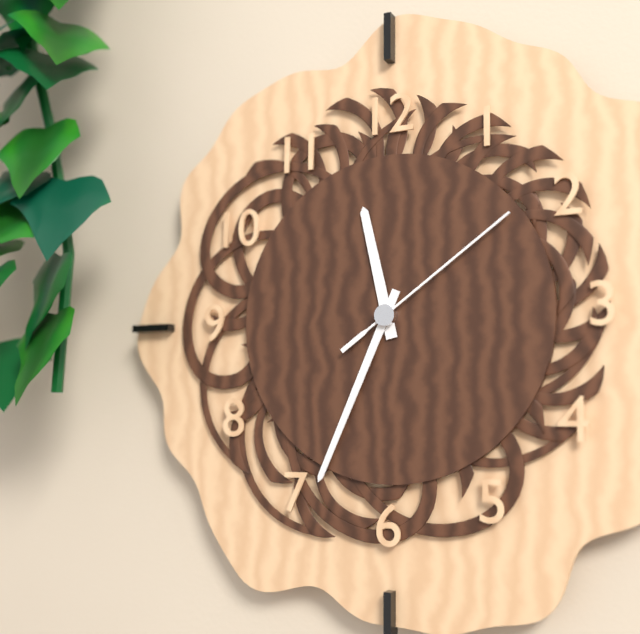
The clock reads 11:34:09
